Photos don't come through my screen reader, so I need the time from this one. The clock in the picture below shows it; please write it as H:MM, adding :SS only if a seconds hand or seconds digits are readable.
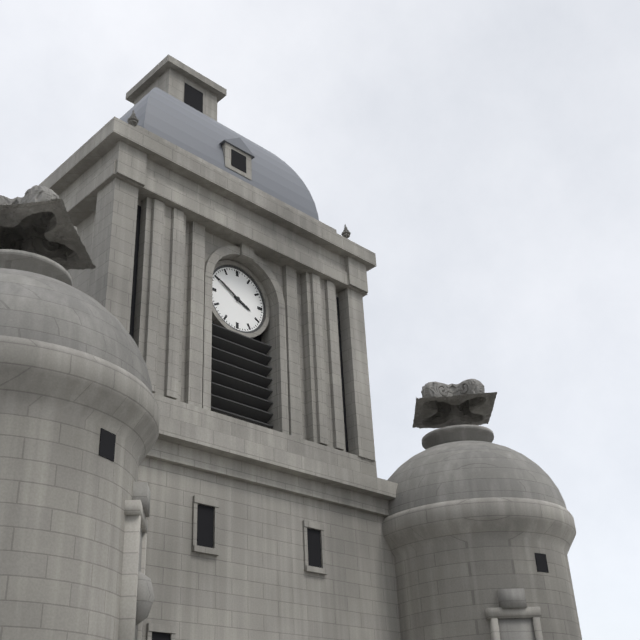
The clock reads 3:50
